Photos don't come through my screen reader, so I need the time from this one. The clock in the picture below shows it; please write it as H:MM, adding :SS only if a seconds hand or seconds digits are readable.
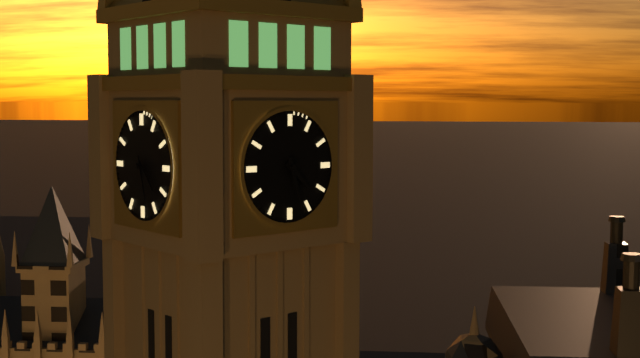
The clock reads 4:27
